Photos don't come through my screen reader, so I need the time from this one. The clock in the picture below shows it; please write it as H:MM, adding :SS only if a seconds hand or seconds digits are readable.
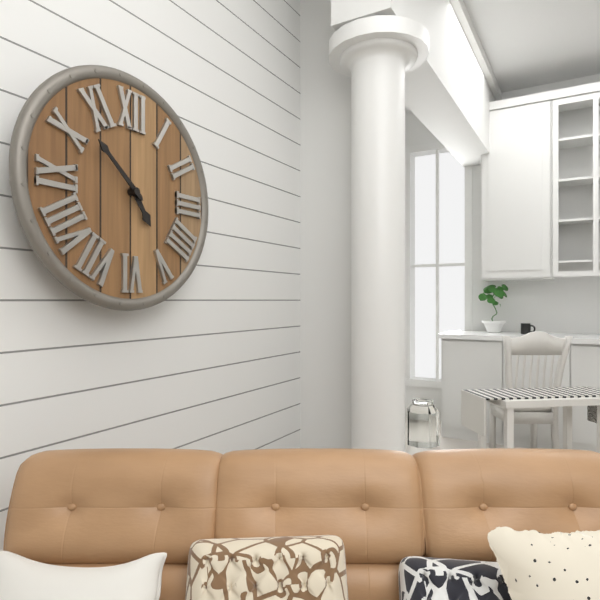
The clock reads 4:52
